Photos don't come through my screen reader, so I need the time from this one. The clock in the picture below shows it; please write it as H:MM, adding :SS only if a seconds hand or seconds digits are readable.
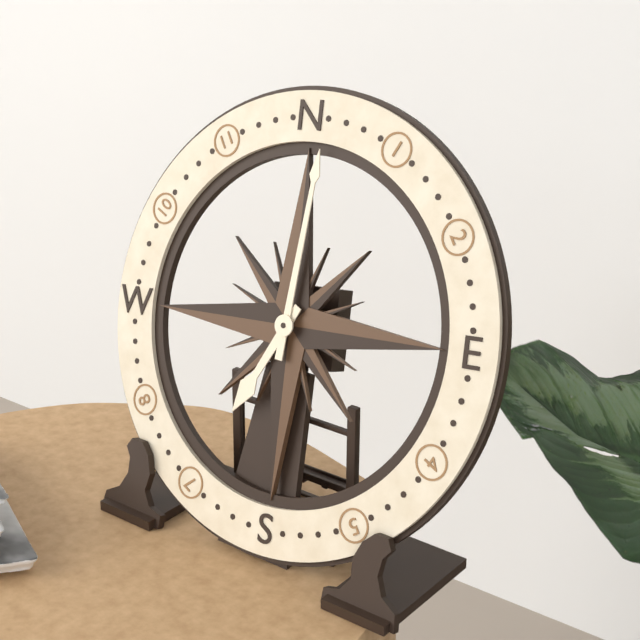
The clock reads 7:01
